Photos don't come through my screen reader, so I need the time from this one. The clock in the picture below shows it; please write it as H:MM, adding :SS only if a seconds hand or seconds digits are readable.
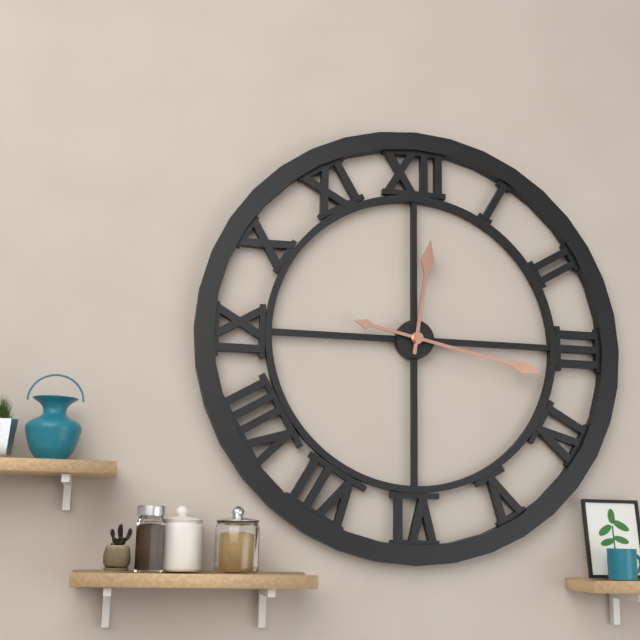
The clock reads 12:17
